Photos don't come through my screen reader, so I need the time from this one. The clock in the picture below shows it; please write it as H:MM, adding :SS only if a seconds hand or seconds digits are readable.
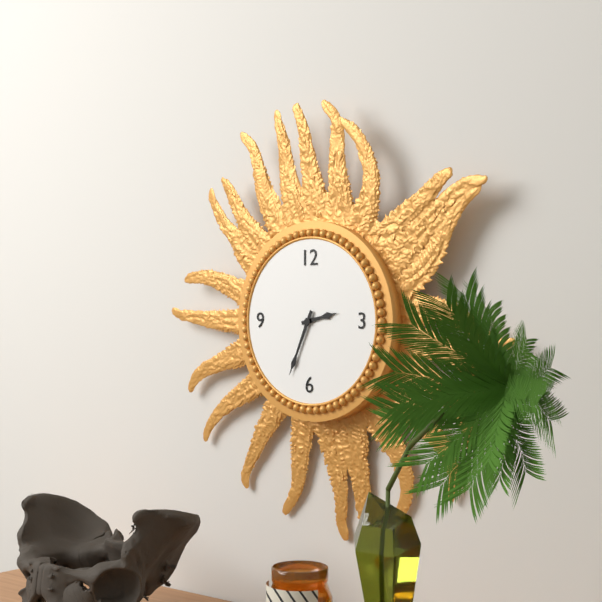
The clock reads 2:34
